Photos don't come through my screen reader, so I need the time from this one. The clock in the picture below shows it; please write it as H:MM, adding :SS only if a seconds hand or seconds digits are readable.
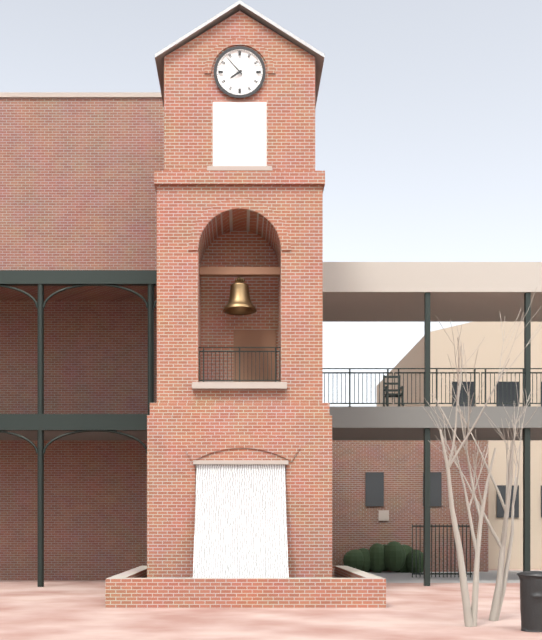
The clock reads 7:53
